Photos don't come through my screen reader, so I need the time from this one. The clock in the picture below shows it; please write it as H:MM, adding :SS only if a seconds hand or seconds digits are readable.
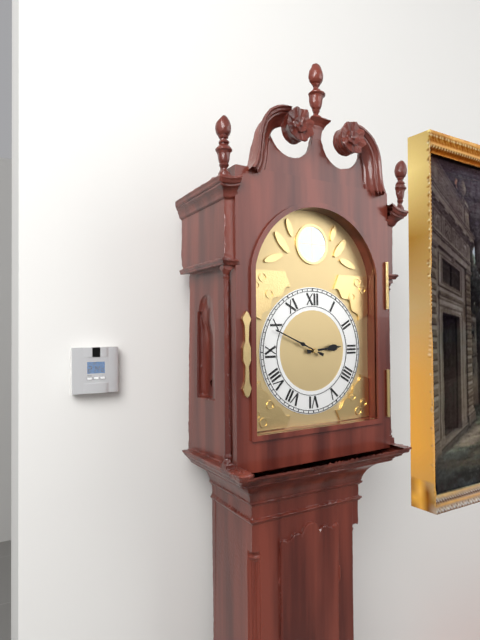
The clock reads 2:49
